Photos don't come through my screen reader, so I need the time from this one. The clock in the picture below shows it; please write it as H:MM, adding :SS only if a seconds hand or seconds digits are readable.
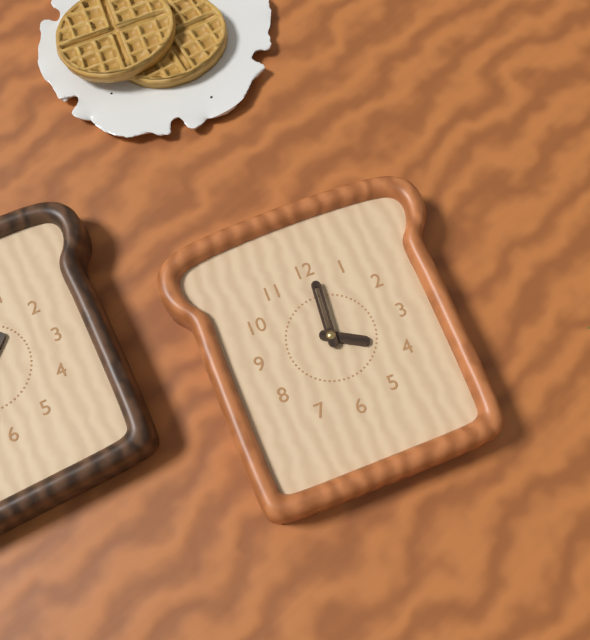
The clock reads 4:01
